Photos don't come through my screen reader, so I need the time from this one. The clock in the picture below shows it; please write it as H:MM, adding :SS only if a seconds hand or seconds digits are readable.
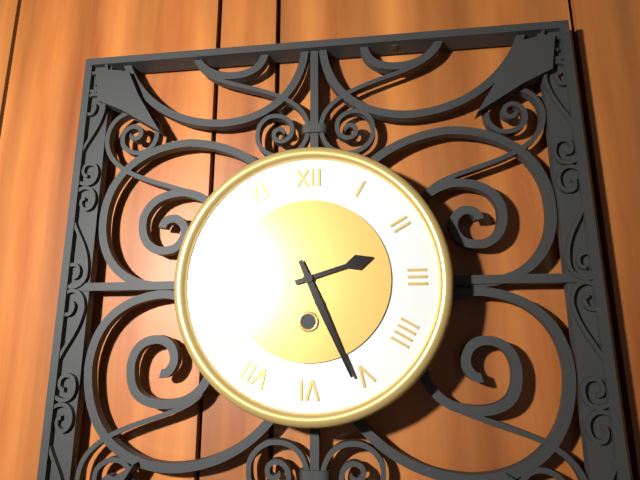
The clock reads 2:26
